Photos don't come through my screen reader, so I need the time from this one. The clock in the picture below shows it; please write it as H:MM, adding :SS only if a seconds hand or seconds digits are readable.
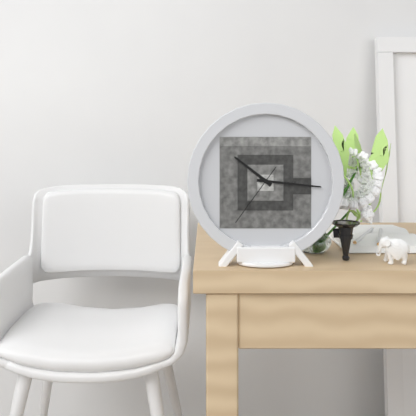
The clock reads 10:16:36
